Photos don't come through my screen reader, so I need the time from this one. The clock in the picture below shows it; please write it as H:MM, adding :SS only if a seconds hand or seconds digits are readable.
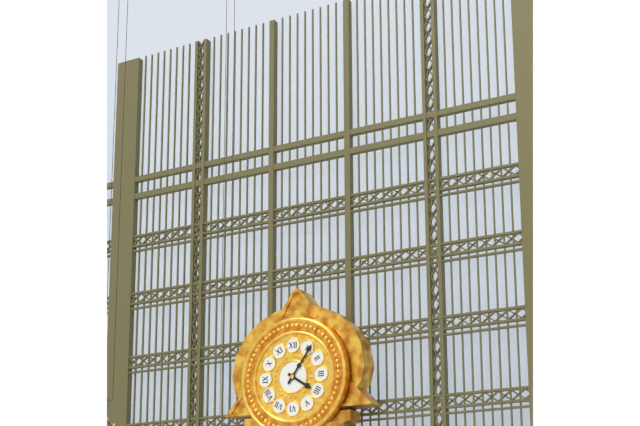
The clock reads 4:06
